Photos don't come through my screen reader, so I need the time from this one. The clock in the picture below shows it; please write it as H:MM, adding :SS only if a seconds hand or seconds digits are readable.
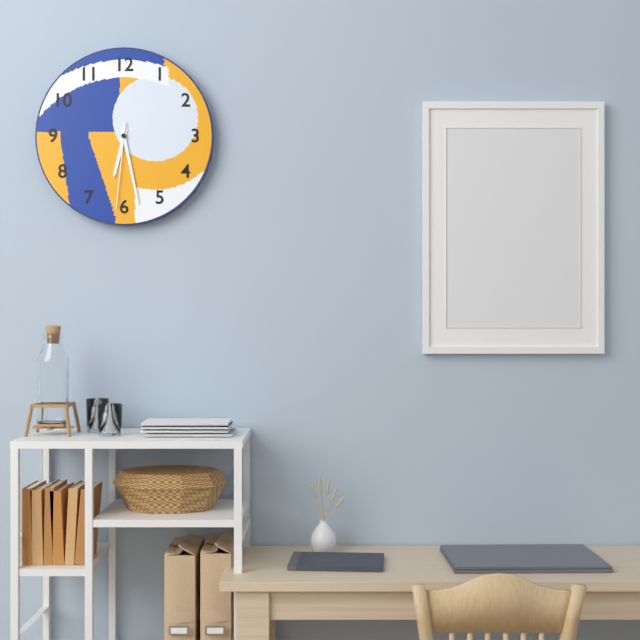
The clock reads 6:28:31
